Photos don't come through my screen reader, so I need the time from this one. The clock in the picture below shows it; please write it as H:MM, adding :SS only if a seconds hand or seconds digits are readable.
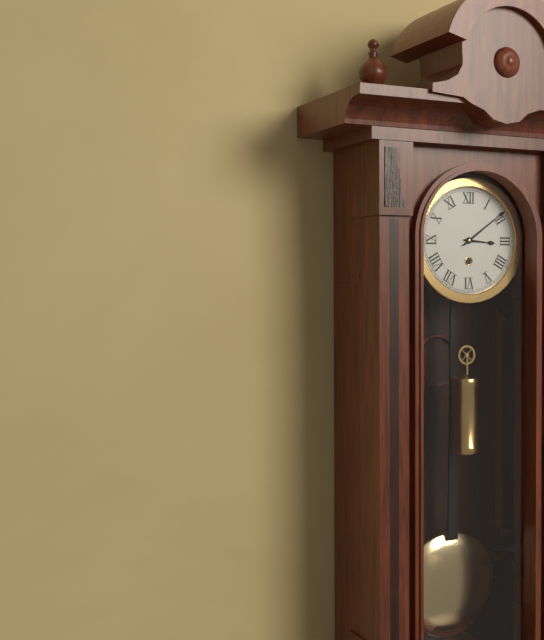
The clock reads 3:09
